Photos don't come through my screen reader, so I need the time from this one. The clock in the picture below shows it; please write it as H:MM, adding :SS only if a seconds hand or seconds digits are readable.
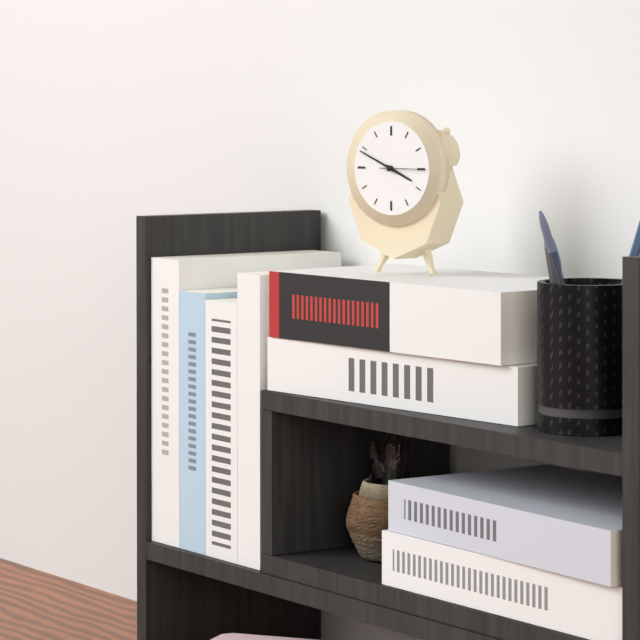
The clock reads 3:49
